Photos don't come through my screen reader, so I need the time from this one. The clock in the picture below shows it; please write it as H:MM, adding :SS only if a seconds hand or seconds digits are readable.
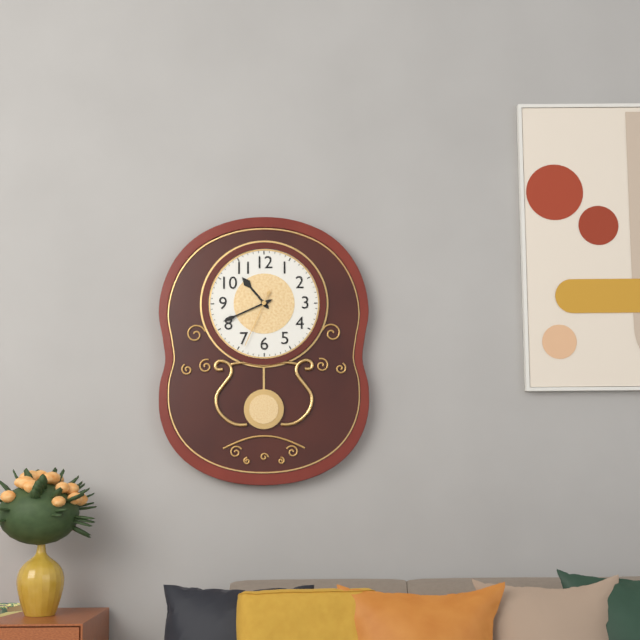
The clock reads 10:41:34
